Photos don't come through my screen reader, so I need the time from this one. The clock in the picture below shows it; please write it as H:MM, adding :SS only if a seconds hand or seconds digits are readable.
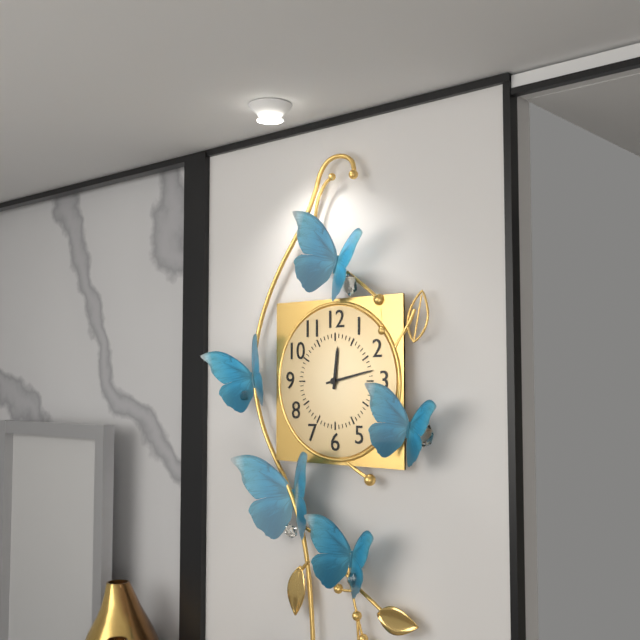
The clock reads 12:13
